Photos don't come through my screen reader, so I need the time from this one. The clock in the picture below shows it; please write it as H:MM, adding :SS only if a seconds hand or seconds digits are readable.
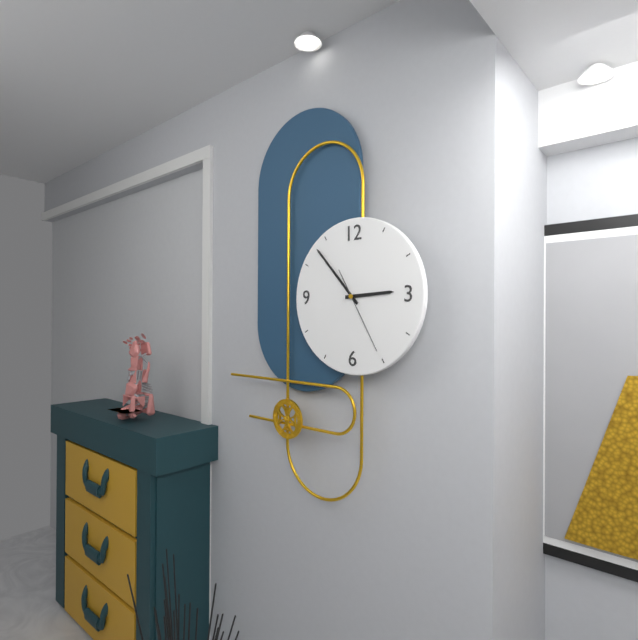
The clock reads 2:53:25
